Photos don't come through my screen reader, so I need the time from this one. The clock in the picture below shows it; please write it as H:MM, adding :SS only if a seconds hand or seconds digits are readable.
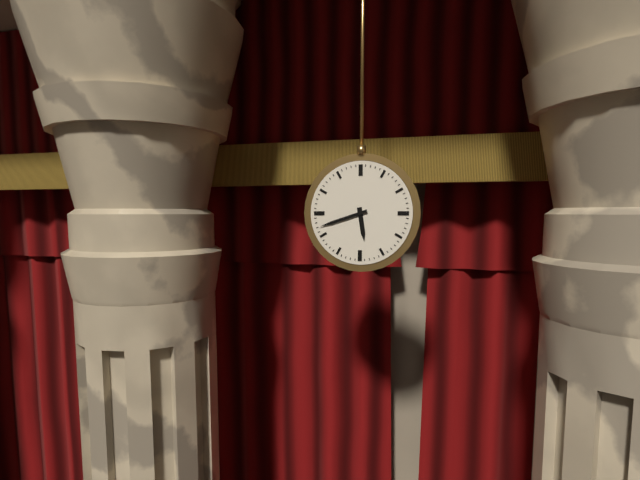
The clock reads 5:42
